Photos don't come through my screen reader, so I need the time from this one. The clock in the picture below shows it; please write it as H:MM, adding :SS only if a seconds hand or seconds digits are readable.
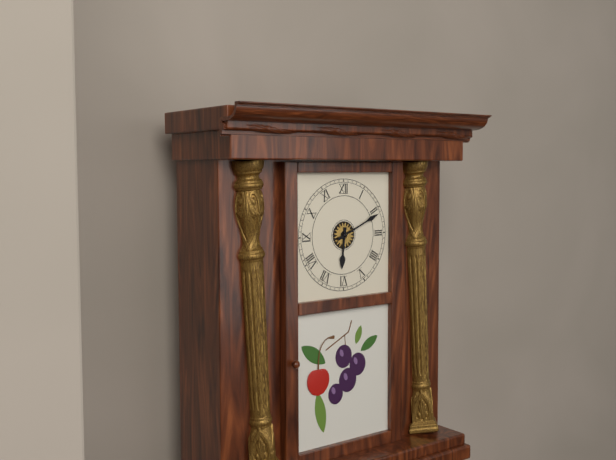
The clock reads 6:11
